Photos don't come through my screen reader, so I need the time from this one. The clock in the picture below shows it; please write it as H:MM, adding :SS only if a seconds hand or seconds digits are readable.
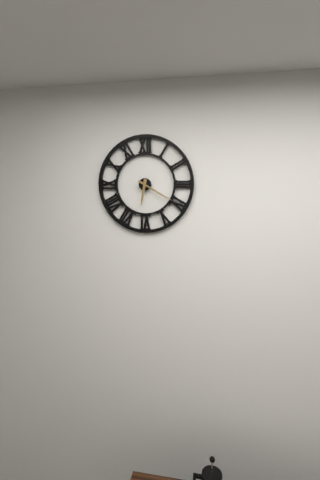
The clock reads 6:20
